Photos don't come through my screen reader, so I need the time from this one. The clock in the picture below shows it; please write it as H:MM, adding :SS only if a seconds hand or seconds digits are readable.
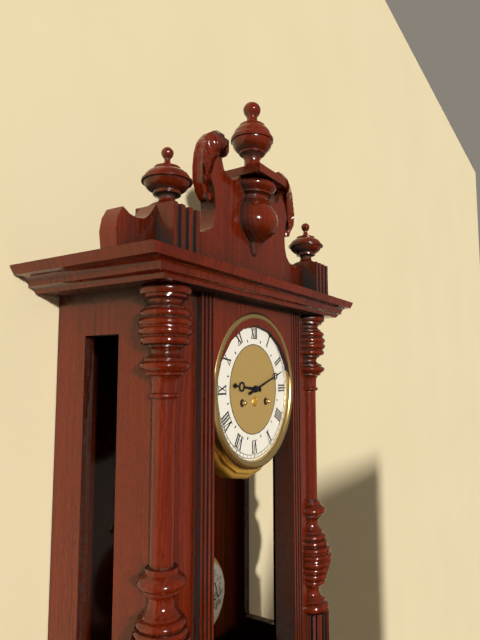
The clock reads 9:12
